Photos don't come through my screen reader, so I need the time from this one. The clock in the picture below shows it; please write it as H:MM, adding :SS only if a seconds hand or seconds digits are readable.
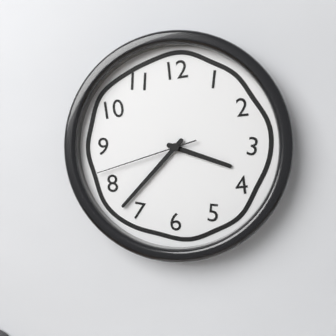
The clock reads 3:37:42
